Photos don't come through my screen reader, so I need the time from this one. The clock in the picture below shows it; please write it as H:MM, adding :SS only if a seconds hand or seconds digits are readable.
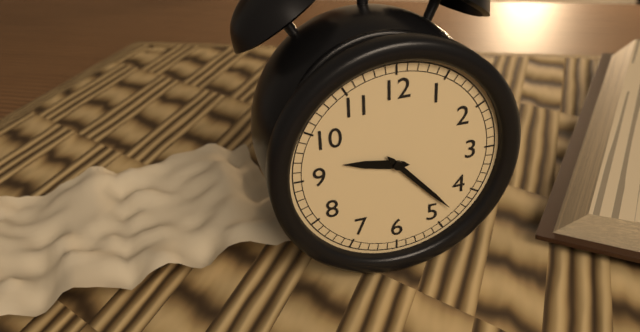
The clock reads 9:23
